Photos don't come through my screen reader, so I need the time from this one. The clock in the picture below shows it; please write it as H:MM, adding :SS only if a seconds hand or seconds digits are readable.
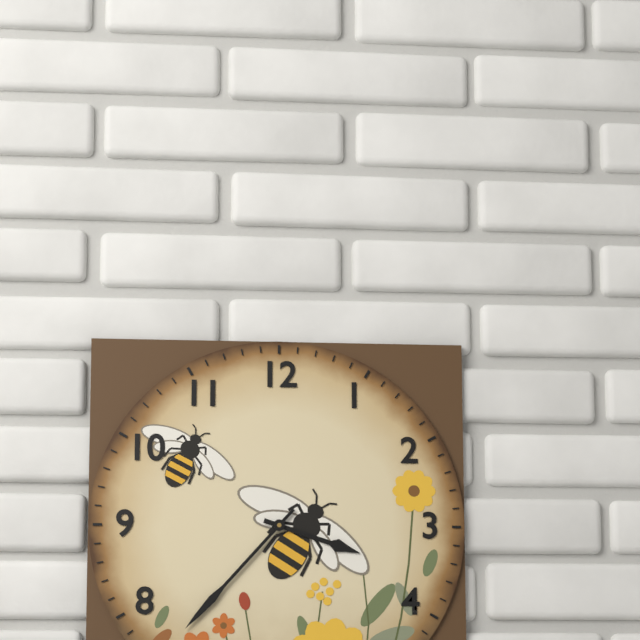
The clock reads 3:37
